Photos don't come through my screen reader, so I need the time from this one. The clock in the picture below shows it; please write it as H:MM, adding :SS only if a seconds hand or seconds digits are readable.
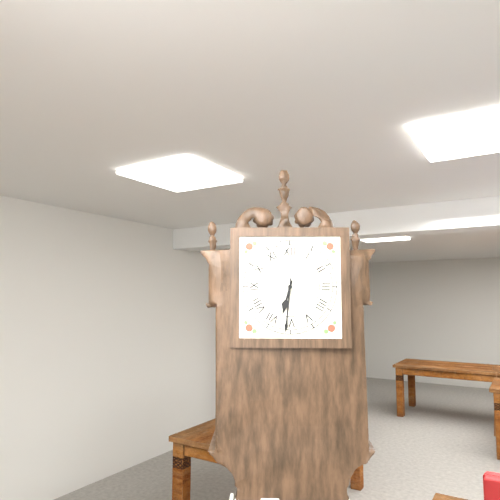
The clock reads 6:31
